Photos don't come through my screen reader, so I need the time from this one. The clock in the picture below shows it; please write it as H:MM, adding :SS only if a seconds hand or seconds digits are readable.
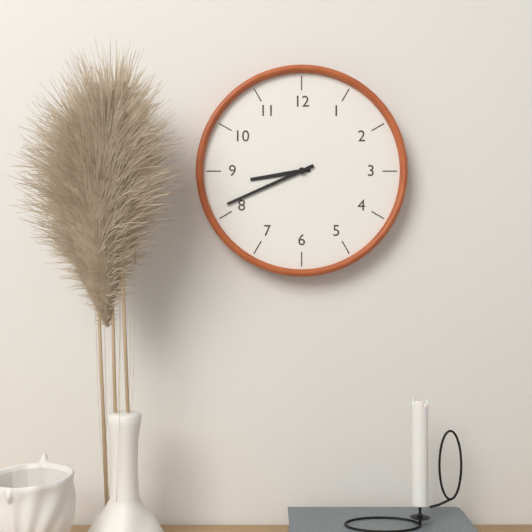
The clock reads 8:41
